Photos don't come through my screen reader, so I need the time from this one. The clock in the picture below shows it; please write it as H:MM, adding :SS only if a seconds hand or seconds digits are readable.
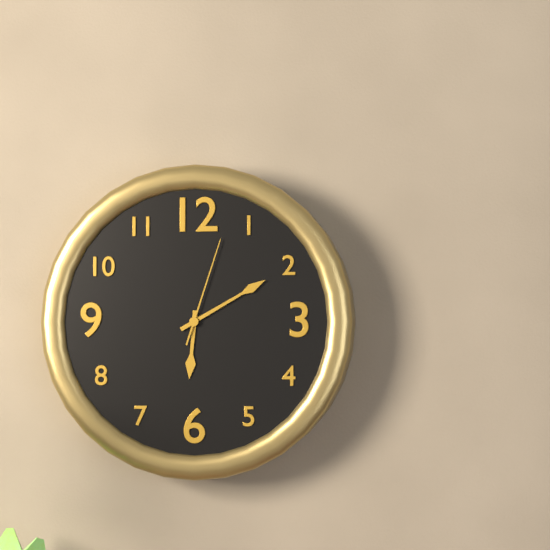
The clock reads 6:10:03
